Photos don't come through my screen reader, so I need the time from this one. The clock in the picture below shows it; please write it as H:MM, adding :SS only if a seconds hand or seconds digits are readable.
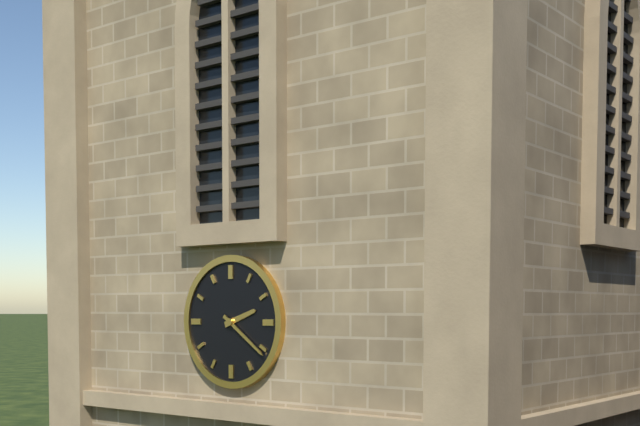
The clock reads 2:21
